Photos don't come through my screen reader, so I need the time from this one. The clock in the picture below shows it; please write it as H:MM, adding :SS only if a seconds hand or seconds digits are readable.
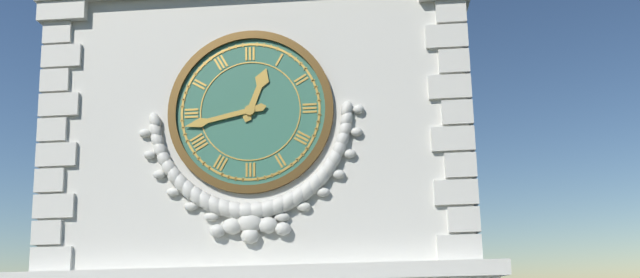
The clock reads 12:43
